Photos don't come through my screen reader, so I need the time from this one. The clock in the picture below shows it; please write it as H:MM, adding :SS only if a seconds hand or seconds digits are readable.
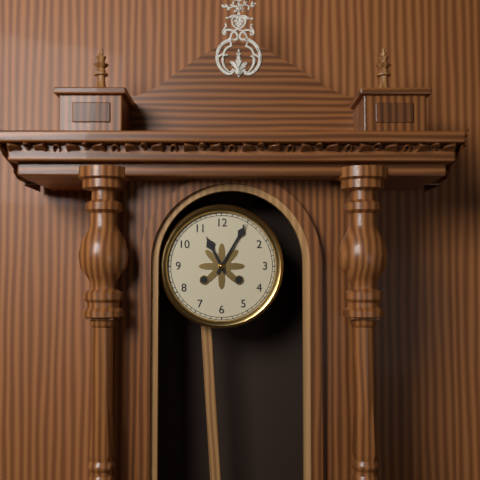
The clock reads 11:05
